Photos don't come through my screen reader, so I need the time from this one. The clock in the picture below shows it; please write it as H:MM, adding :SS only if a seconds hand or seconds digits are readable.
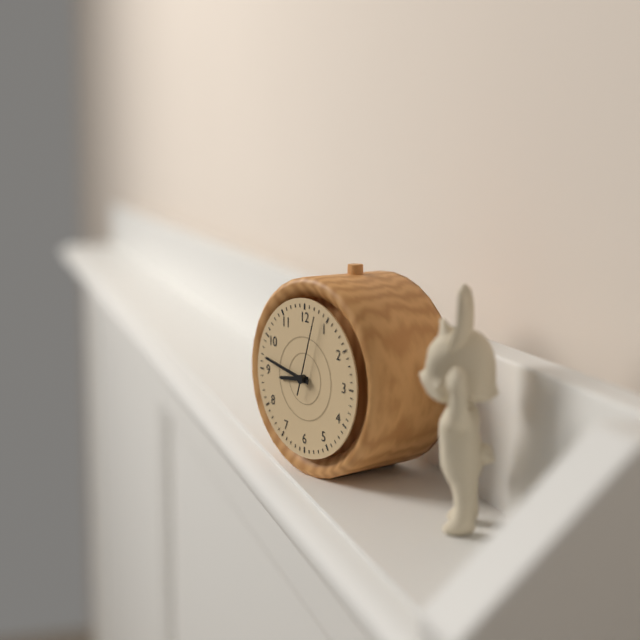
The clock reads 8:47:03
